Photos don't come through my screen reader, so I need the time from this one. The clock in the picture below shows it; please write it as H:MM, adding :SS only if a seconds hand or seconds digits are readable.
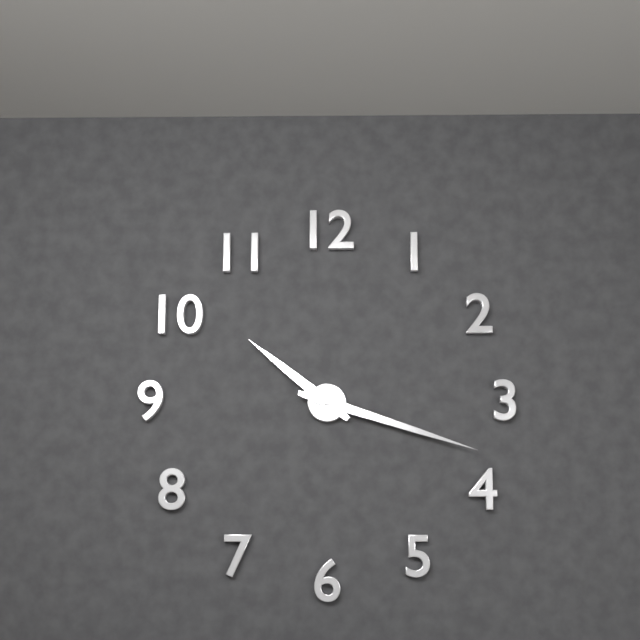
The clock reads 10:18
